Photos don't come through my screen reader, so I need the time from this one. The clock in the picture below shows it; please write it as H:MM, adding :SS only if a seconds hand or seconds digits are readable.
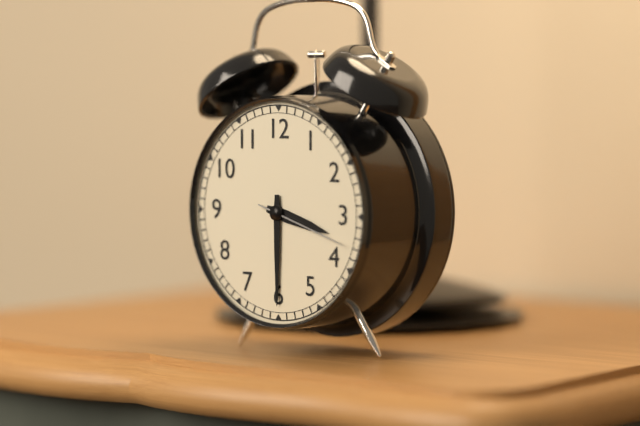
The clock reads 3:30:18
